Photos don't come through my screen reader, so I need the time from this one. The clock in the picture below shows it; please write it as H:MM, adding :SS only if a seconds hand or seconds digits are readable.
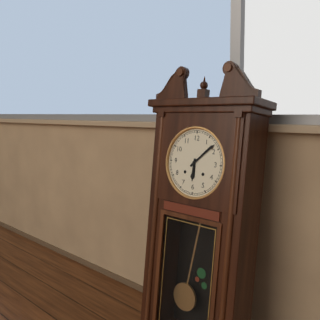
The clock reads 6:08
